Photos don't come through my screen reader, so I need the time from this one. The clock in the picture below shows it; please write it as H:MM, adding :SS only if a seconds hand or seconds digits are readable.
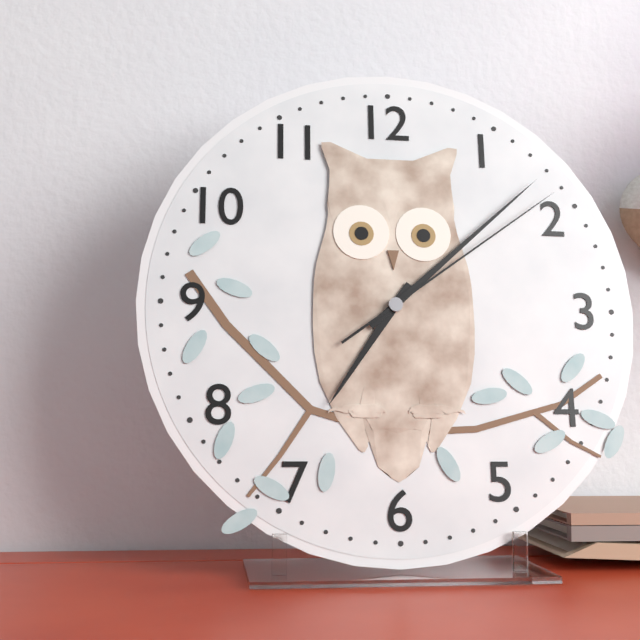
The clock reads 7:08:09
